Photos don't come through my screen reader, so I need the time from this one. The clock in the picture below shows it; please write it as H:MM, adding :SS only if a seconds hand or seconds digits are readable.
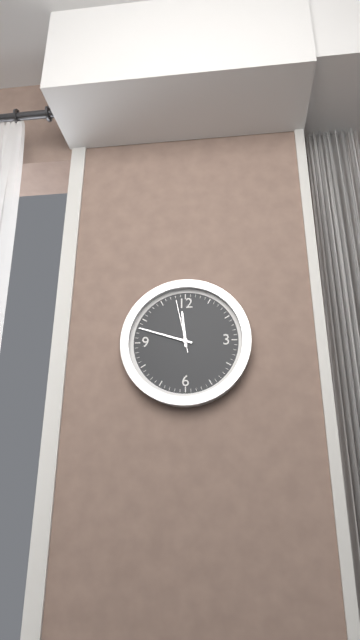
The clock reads 11:48:58
